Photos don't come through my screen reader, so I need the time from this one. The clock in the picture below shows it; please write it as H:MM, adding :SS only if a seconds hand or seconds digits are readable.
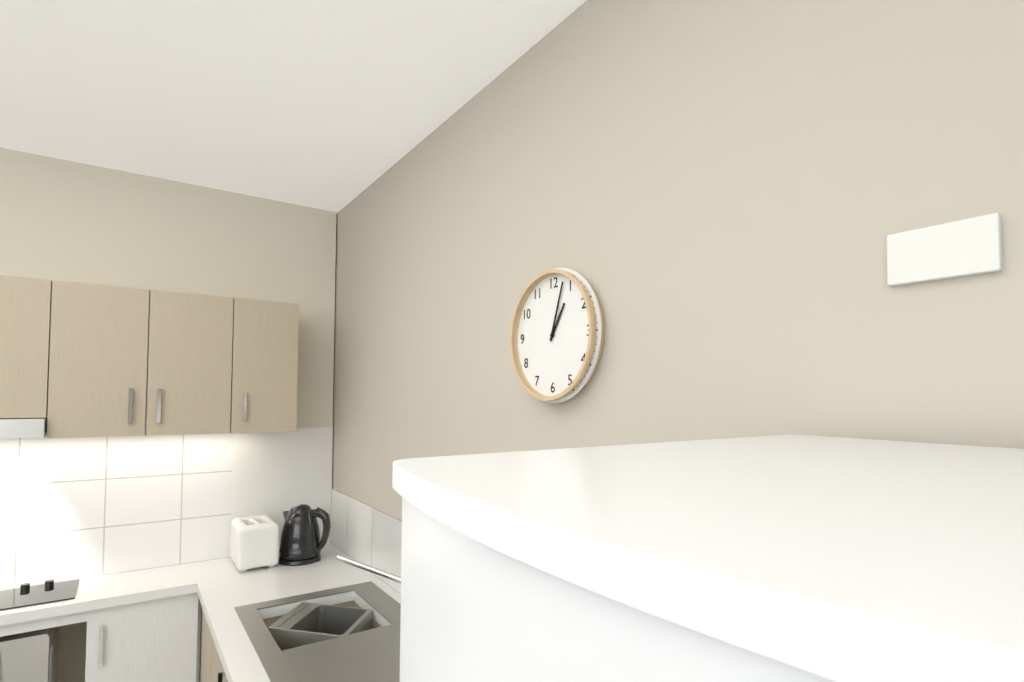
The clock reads 1:03
